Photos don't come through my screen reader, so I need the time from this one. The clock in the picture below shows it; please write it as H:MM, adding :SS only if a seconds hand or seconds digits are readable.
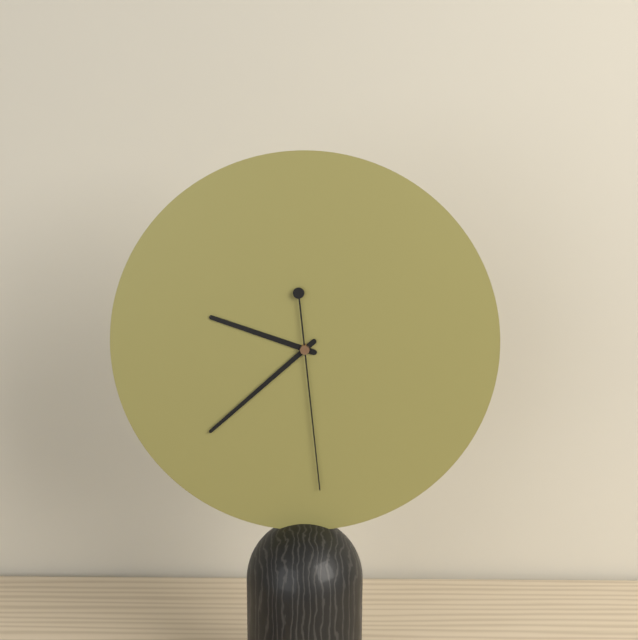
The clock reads 9:38:29
